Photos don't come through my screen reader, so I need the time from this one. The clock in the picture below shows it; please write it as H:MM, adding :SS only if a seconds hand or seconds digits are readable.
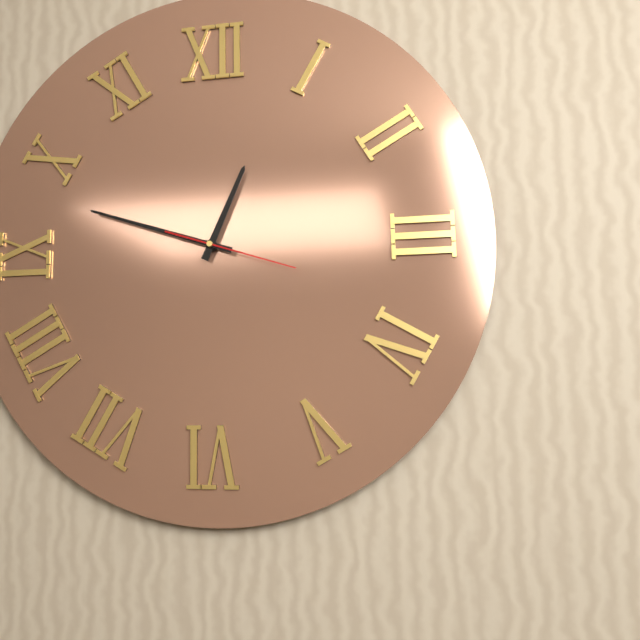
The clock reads 12:48:18
